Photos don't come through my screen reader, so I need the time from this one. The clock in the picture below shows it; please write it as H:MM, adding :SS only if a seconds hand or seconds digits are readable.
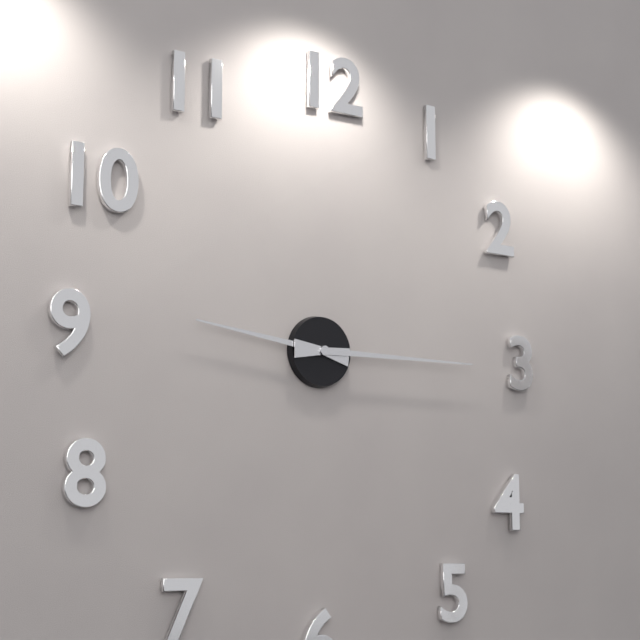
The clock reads 9:15
